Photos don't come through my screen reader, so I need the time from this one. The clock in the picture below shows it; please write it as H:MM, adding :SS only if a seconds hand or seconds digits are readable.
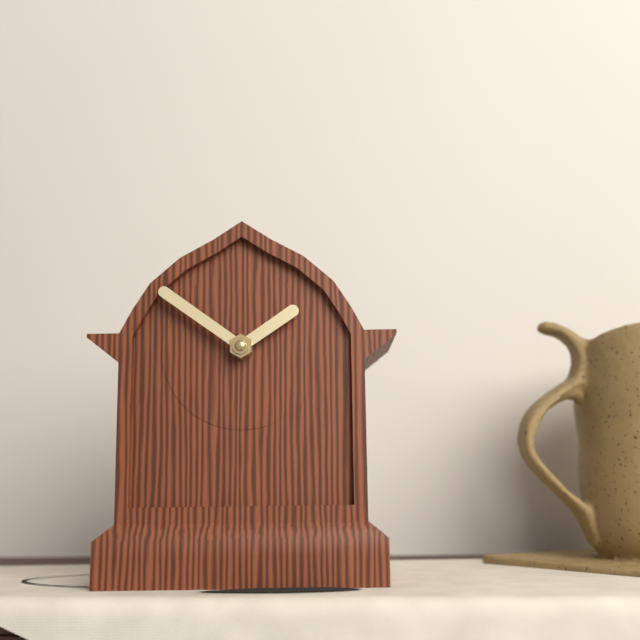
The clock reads 1:51
